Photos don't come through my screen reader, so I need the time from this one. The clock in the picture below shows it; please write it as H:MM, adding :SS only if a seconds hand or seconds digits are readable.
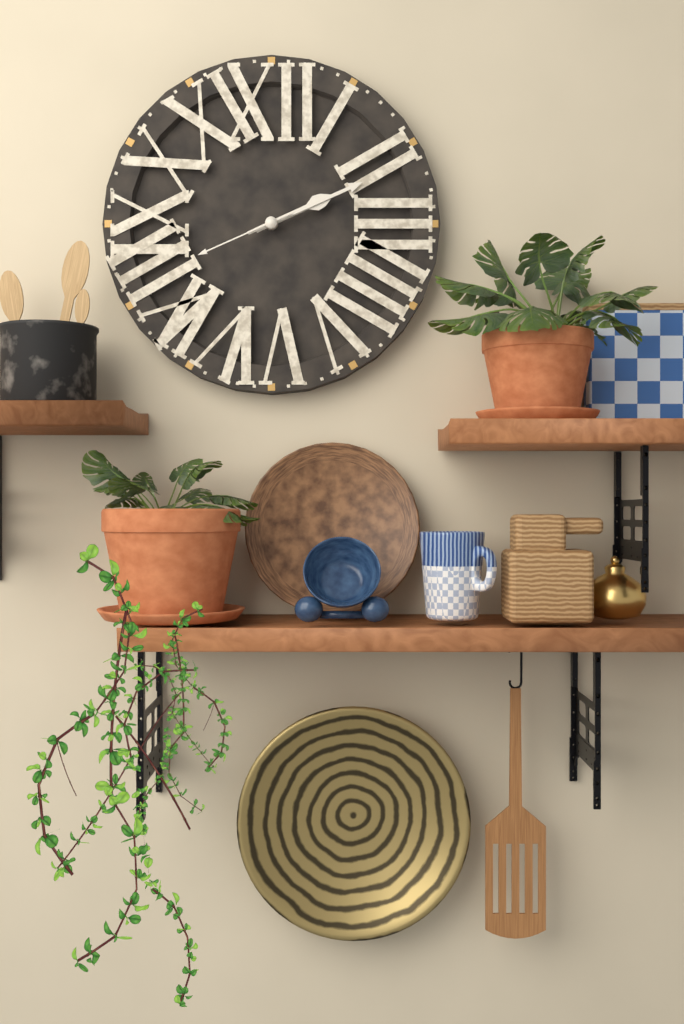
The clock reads 2:11:41
